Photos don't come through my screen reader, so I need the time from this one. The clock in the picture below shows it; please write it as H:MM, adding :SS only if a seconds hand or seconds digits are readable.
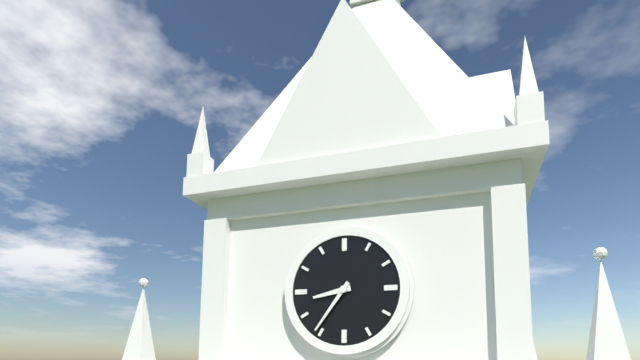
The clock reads 8:36
